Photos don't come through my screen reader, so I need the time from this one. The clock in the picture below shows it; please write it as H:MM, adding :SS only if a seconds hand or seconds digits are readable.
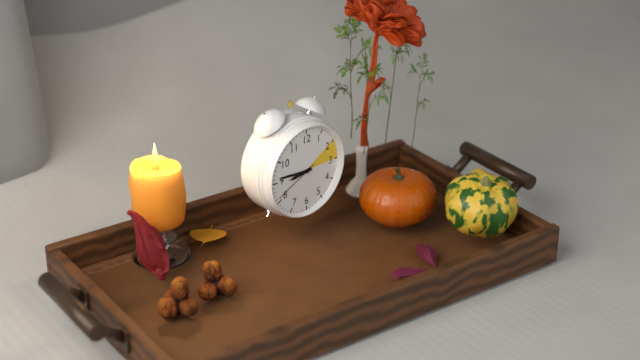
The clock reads 8:46
